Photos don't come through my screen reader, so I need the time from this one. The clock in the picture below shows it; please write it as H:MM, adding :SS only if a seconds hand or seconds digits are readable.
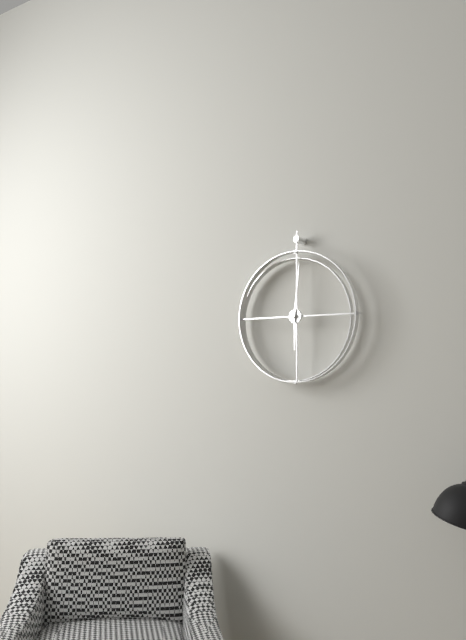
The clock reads 6:01
